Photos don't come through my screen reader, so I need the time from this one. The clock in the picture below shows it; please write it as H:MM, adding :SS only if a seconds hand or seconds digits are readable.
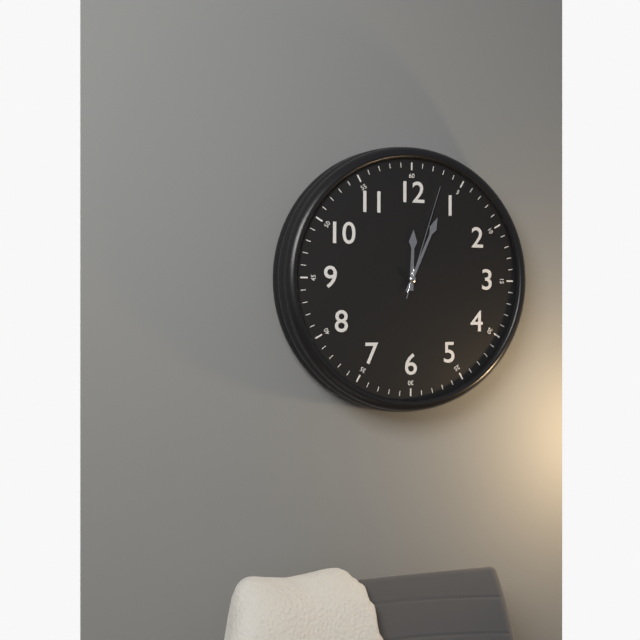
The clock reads 12:04:03
